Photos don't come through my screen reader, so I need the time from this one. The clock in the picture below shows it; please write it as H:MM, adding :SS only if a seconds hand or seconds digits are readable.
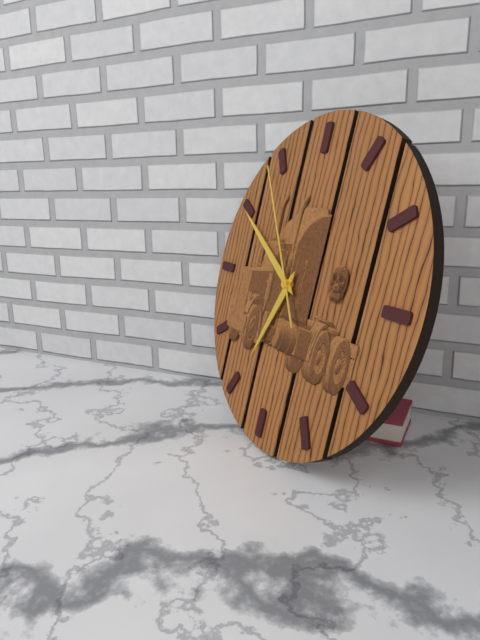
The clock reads 6:50:54
